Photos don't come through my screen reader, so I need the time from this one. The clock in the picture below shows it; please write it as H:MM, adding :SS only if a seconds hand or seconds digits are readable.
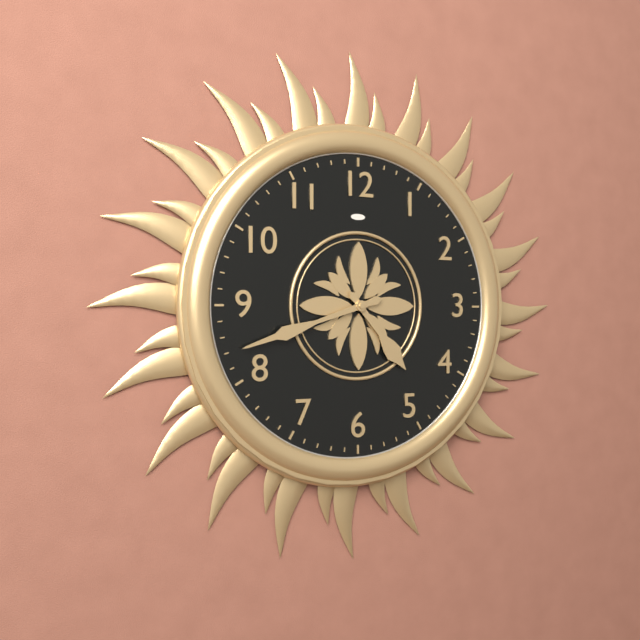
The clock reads 4:42
